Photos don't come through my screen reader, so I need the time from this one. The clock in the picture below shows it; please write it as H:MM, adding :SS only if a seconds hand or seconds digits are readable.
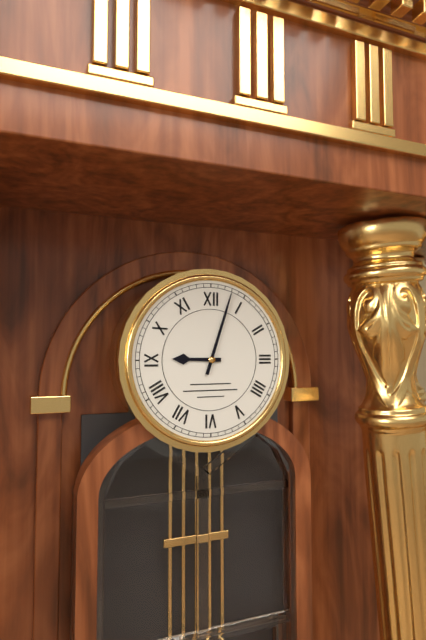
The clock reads 9:03
